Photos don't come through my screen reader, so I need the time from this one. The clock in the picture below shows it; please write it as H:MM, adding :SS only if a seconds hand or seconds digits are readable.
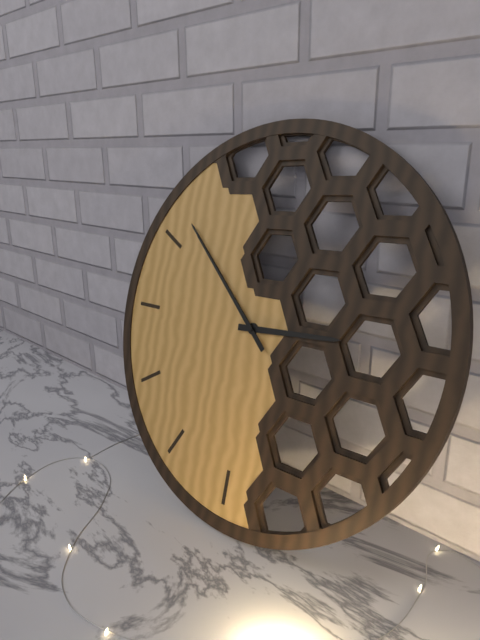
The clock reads 2:52:52
